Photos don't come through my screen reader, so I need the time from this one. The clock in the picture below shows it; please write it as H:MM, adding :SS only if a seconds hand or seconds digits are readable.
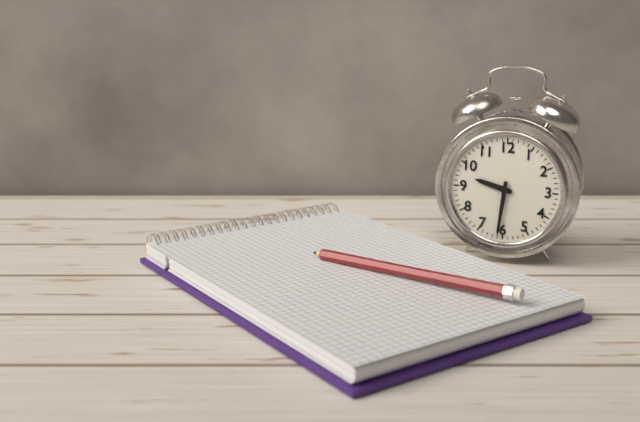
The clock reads 9:31
